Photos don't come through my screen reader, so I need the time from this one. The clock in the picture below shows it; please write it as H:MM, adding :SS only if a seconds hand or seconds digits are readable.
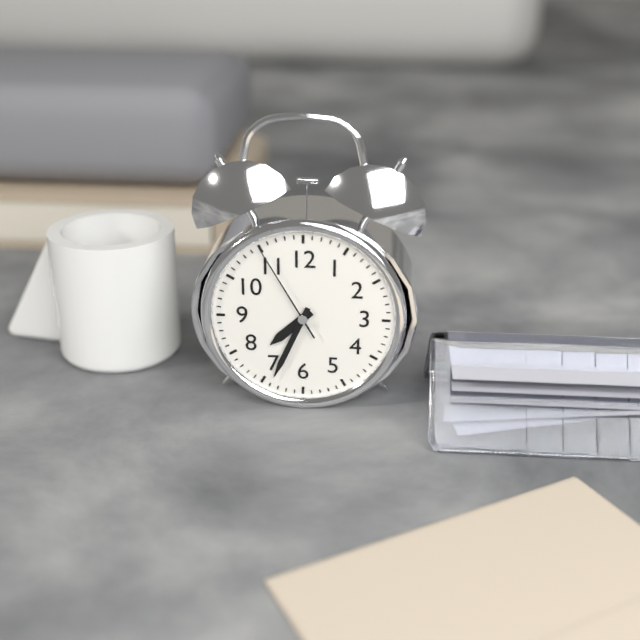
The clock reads 7:34:55
